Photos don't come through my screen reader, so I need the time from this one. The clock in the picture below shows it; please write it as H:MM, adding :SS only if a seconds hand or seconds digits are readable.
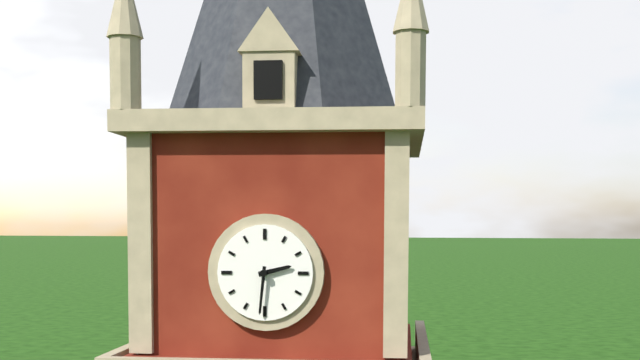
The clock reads 2:31
